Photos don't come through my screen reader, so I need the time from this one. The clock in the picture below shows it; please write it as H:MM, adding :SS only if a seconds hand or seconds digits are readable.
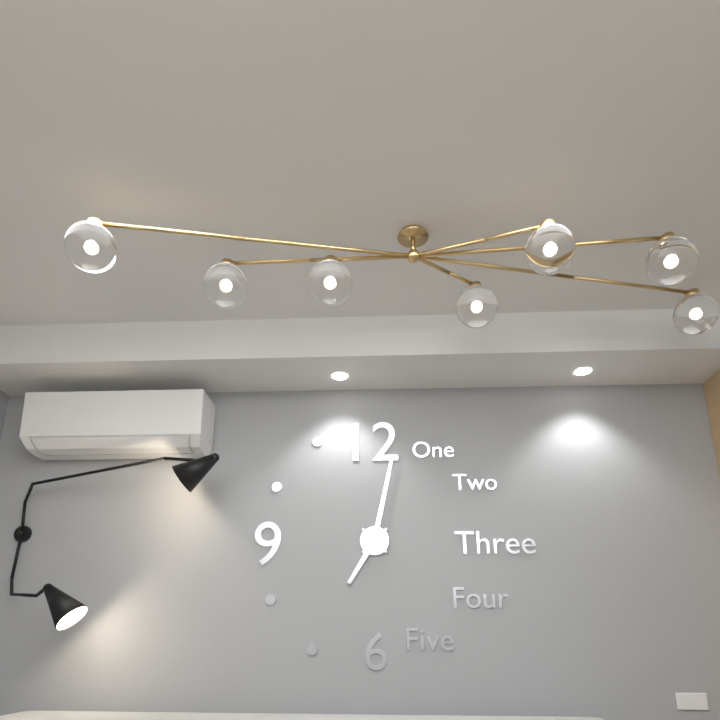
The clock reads 7:02
